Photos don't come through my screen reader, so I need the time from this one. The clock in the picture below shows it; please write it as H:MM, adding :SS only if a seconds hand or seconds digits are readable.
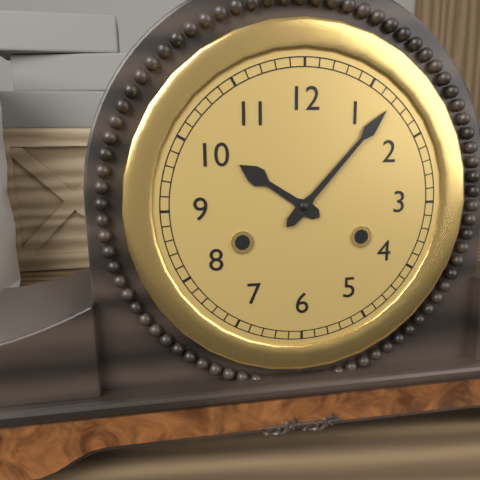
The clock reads 10:07
